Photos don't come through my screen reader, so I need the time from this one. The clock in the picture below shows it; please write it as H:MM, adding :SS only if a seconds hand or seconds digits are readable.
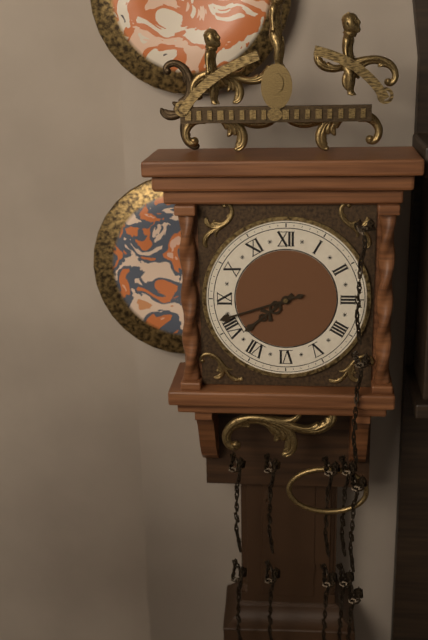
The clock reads 7:42
